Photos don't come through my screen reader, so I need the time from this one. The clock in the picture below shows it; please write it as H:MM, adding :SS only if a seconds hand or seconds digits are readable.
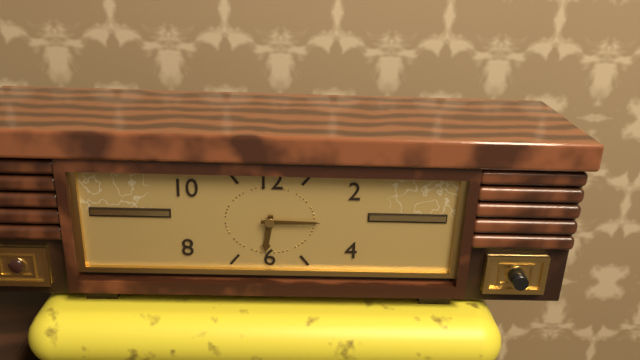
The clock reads 6:15
